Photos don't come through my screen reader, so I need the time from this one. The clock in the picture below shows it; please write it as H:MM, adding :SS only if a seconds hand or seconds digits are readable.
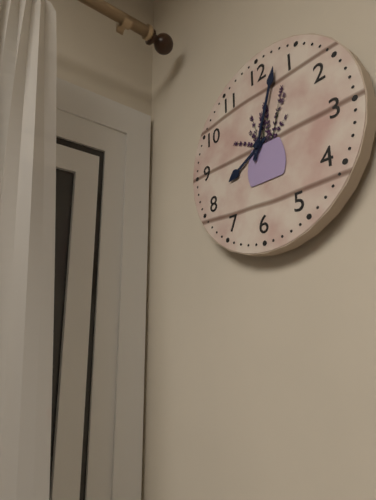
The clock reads 8:03
